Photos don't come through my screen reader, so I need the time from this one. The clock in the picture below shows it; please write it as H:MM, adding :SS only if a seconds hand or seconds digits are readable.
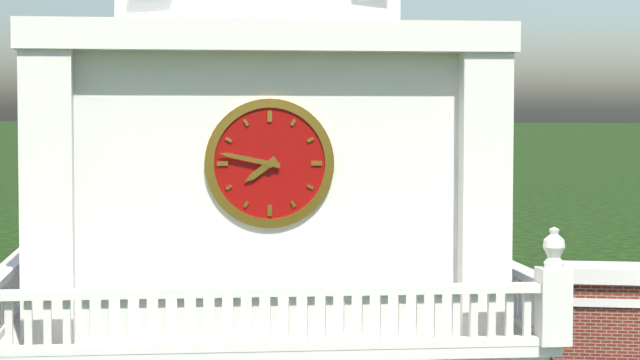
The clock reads 7:47
